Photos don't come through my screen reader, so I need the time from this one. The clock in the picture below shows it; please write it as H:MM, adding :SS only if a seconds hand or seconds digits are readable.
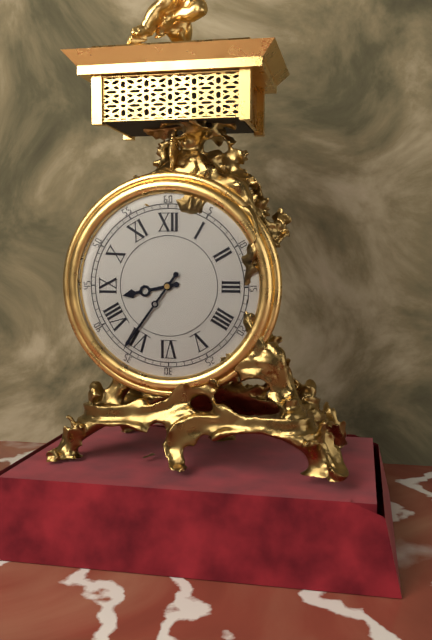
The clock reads 8:36
